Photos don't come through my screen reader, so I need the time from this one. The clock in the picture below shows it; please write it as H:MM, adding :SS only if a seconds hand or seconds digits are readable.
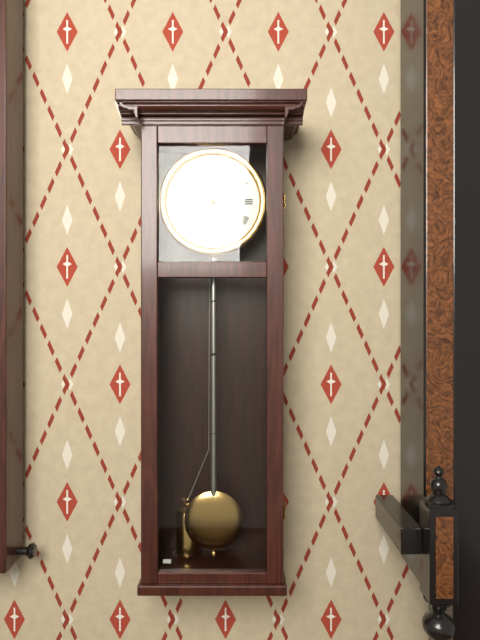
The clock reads 4:35
